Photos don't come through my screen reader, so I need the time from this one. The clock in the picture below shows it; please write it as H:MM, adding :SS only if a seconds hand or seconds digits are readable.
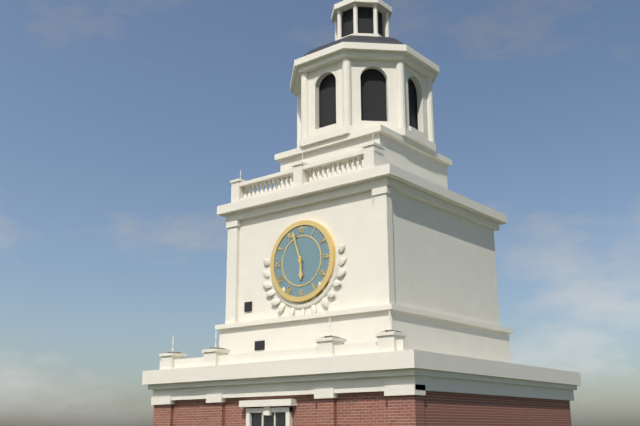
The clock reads 5:57
